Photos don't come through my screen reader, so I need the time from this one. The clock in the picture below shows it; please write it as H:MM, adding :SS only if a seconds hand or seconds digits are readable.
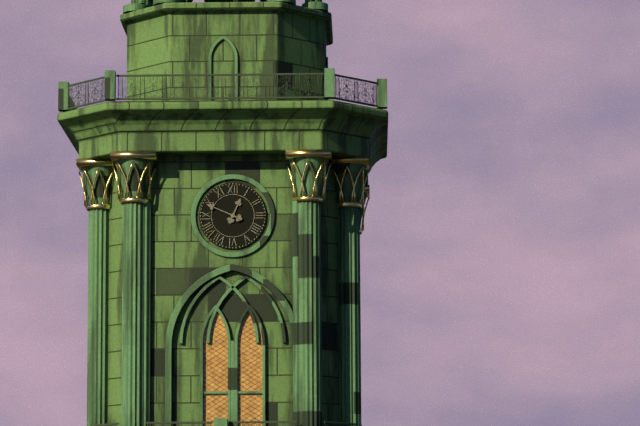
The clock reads 12:49
